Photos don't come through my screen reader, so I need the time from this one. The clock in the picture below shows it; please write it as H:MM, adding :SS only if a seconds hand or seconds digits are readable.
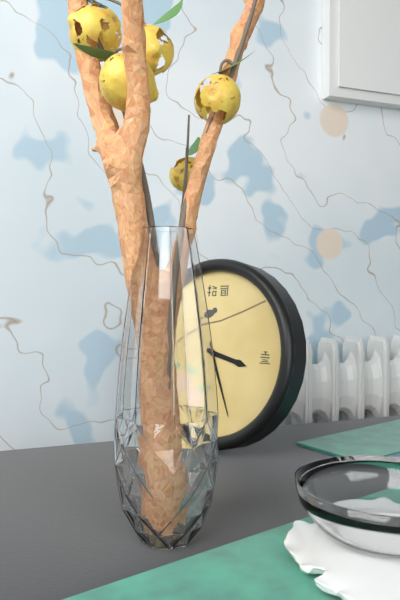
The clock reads 3:26
